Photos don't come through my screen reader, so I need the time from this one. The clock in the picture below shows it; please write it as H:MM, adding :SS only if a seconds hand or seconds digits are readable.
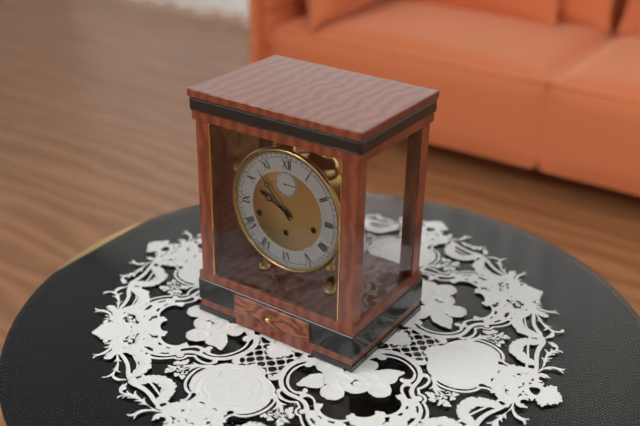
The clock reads 9:53
